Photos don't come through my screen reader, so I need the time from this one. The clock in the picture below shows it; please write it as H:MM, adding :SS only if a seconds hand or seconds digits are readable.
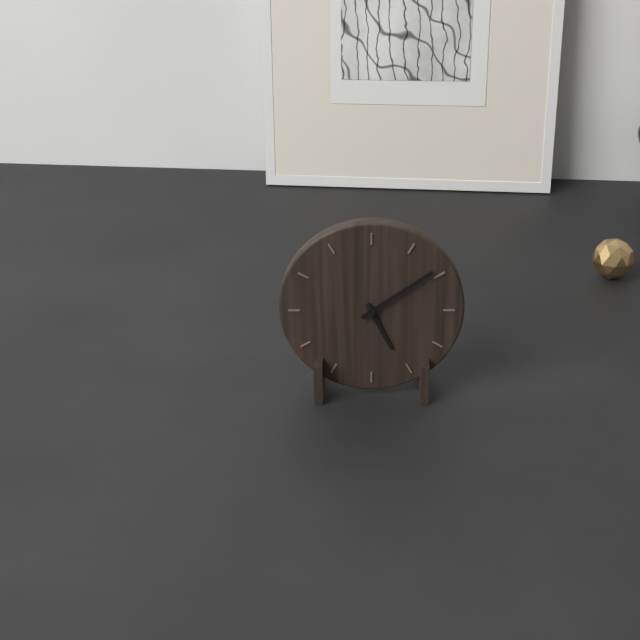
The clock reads 5:09
